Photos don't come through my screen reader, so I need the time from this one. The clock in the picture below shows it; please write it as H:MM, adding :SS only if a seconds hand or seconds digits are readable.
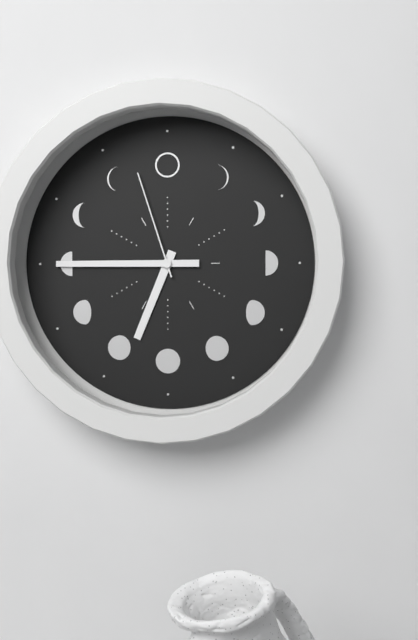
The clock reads 6:45:57
